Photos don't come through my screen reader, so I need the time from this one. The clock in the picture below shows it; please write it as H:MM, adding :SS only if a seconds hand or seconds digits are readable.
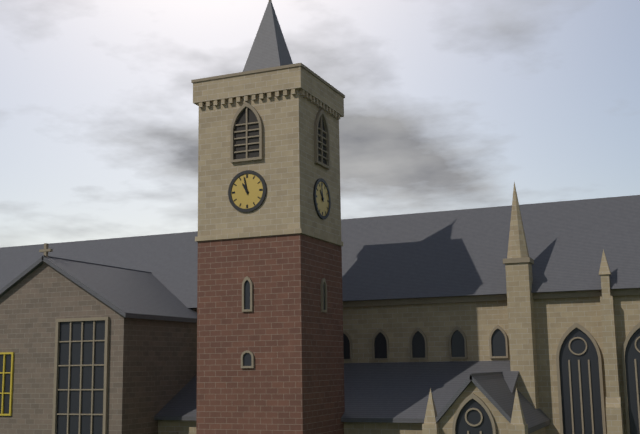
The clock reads 10:58
